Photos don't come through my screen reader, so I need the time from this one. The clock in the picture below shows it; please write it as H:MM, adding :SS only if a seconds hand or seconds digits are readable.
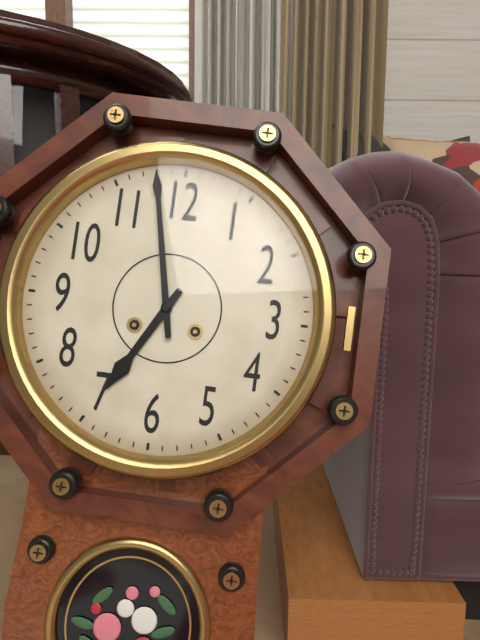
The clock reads 6:58
